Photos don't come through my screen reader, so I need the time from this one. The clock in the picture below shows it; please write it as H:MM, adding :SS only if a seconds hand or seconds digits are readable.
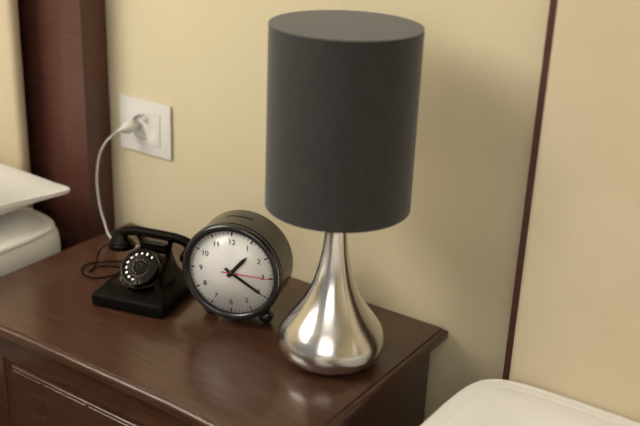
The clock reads 1:20
